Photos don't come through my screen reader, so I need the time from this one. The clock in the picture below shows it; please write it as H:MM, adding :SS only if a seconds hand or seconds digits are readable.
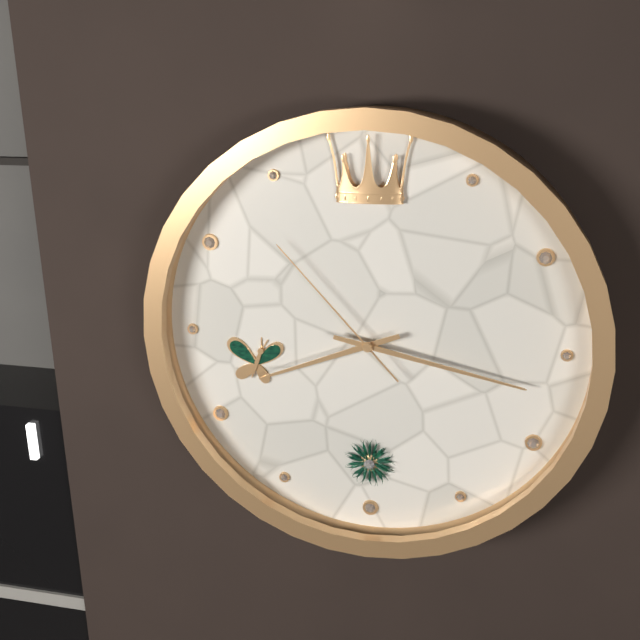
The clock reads 8:17:53
